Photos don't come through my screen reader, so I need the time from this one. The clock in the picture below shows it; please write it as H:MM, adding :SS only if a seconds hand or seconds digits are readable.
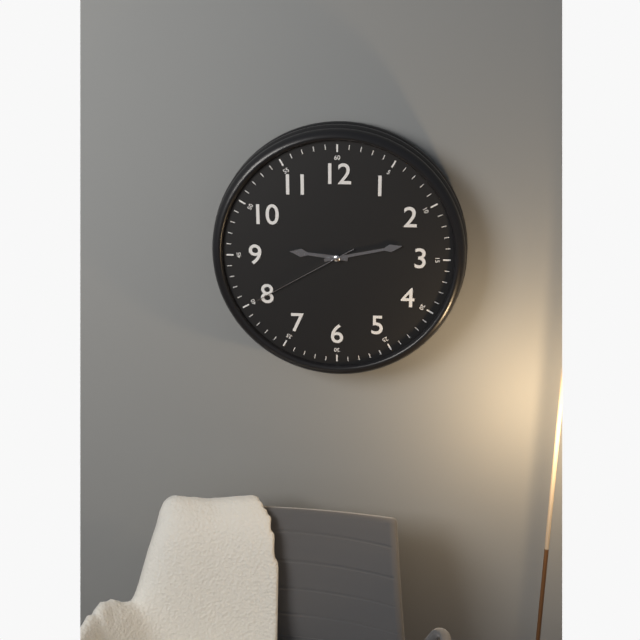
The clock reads 9:13:40
